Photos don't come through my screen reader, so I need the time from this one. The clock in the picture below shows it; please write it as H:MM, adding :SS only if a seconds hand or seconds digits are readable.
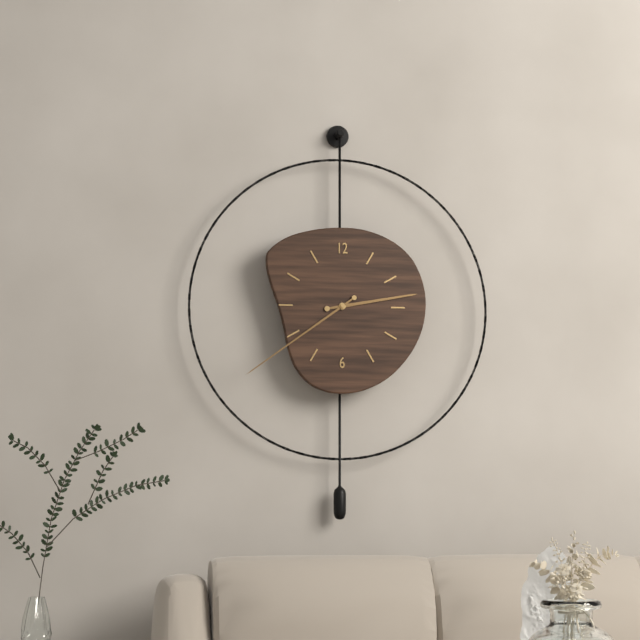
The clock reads 2:39
